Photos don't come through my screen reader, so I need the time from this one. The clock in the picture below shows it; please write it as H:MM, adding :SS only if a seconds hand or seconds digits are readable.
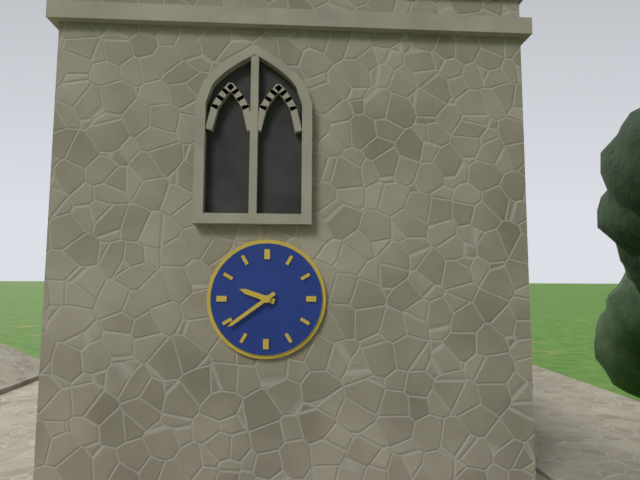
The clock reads 9:39
